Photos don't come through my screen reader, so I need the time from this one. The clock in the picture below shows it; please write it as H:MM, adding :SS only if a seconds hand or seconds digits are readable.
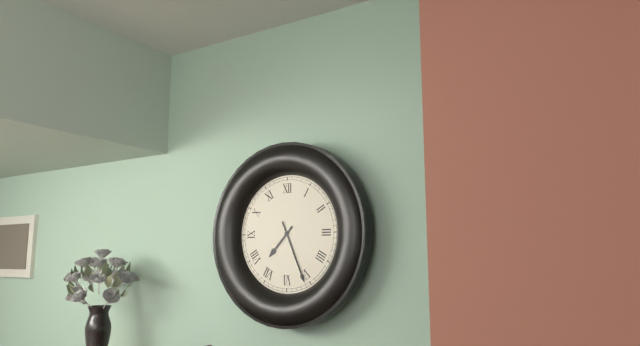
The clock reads 7:26
